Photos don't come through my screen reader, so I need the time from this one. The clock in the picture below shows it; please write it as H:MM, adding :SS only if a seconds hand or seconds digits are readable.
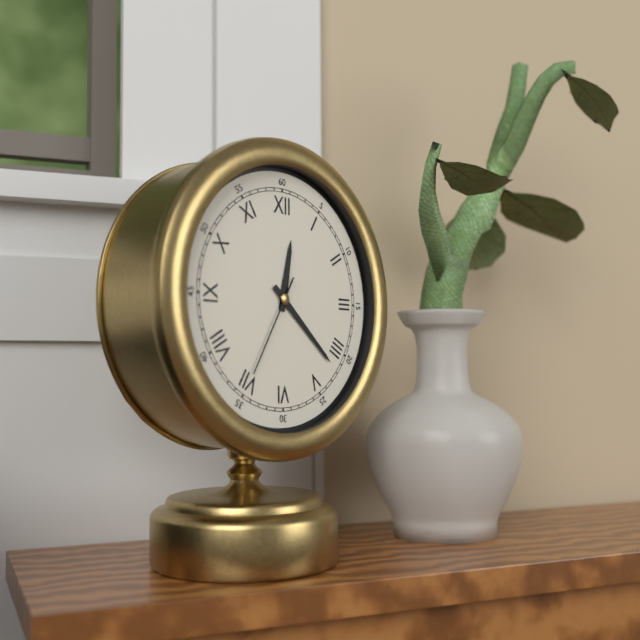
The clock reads 12:22:35
